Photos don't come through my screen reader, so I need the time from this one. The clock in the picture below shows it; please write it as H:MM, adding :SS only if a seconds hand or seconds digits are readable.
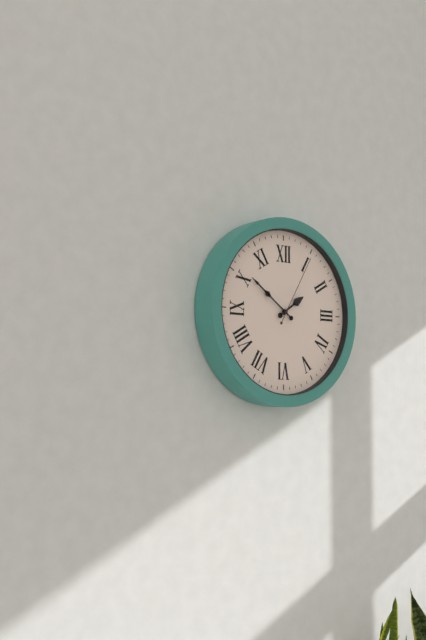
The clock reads 1:51:05
